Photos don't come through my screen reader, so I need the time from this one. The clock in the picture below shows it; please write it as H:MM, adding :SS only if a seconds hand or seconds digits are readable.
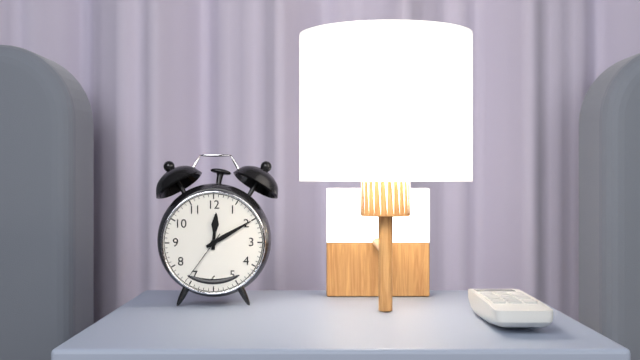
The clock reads 12:10:36
